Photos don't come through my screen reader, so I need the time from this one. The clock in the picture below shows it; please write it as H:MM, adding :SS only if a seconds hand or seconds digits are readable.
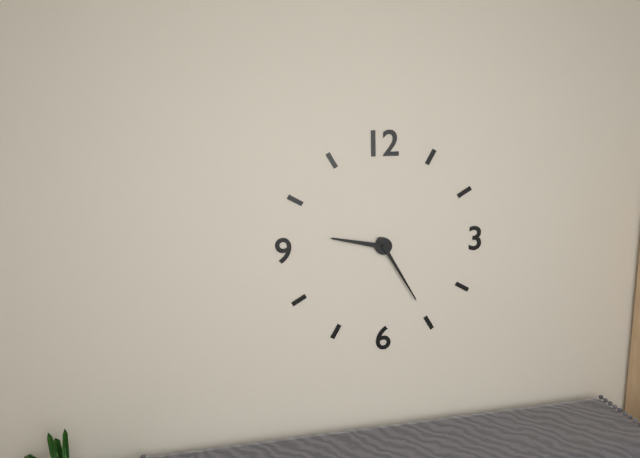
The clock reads 9:25
